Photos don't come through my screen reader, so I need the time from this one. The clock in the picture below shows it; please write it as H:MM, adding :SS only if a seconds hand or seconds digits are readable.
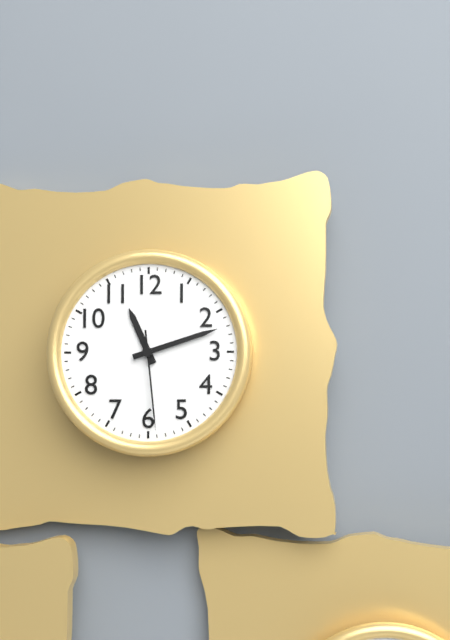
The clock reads 11:12:29
